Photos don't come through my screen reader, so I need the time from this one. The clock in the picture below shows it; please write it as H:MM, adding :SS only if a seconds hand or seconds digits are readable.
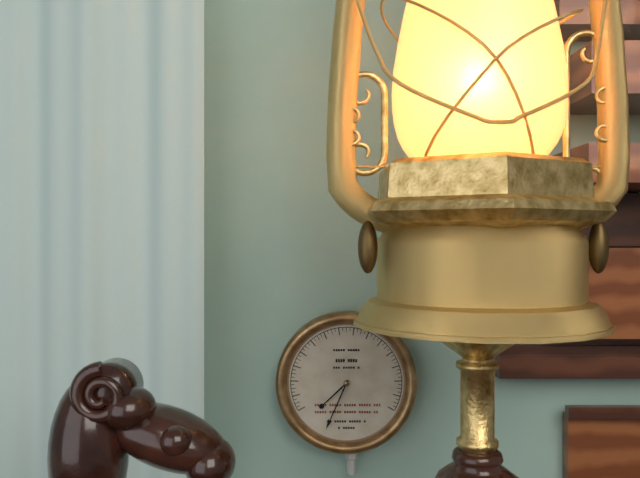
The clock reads 7:34
